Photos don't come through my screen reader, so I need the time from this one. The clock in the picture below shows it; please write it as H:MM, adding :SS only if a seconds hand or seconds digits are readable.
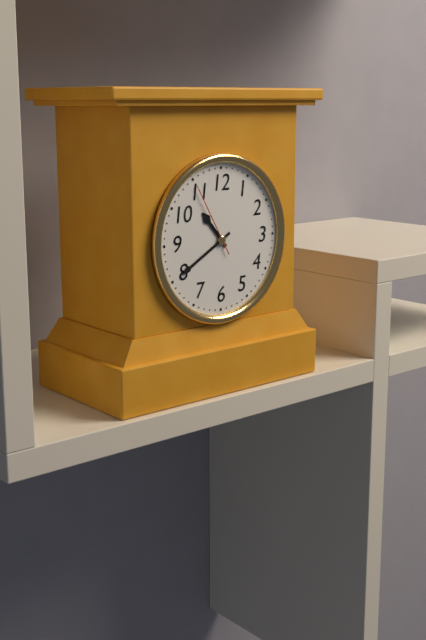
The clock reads 10:40:55
